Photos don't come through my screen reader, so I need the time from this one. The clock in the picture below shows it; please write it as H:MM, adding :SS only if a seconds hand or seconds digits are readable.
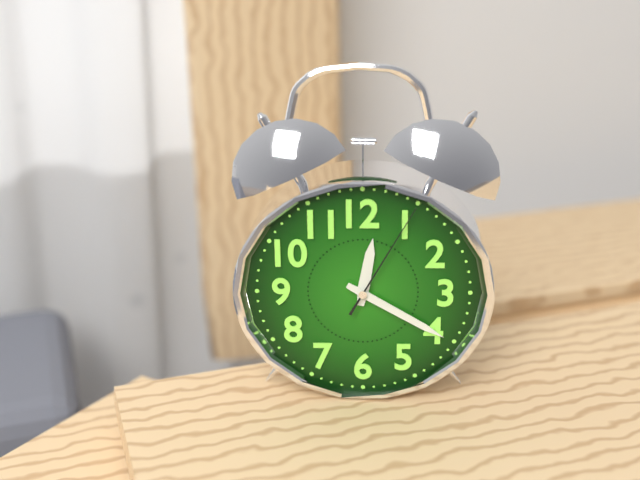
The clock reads 12:20:05
